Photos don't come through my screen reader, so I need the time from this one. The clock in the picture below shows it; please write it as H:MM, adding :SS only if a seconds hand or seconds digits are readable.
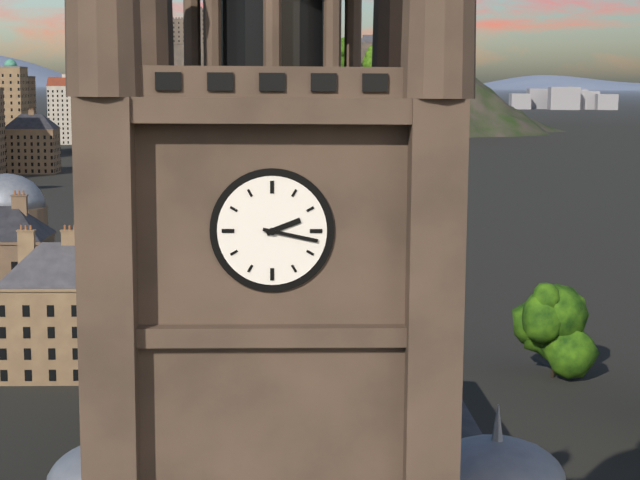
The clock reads 2:17
